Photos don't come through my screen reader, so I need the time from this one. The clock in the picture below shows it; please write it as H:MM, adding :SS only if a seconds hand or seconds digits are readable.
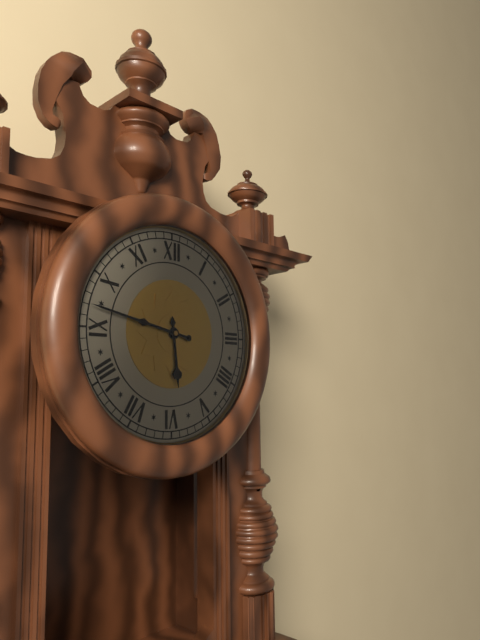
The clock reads 5:47
